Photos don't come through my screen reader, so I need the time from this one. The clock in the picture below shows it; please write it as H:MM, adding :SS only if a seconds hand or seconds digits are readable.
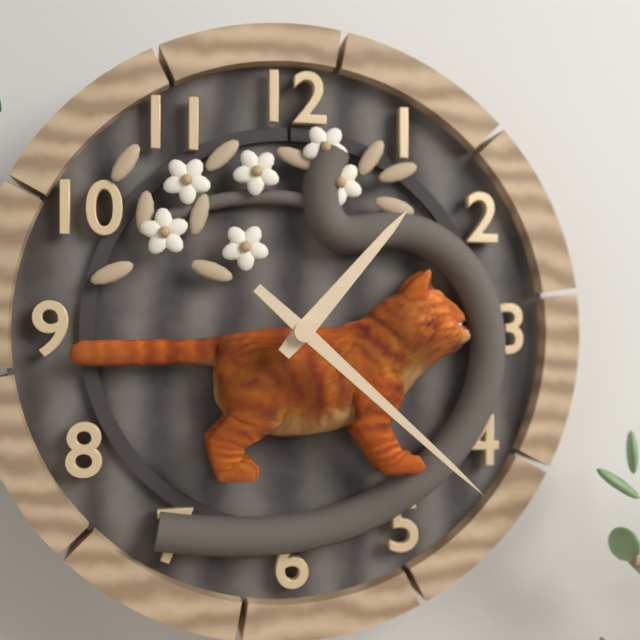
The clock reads 1:22
